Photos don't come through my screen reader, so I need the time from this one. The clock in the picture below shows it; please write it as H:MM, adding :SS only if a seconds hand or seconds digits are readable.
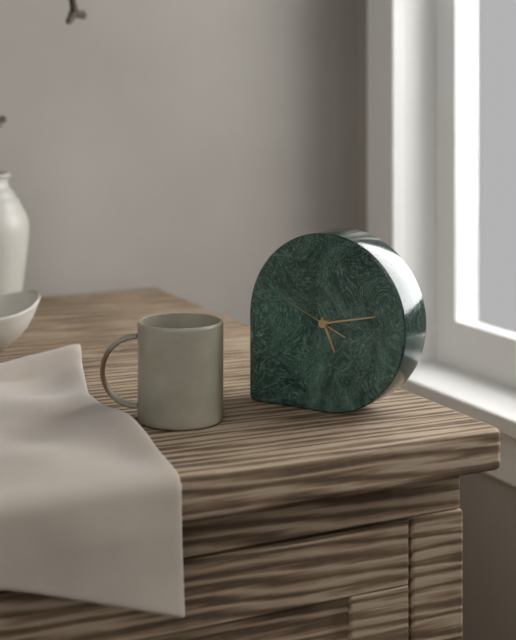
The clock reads 5:13:49
